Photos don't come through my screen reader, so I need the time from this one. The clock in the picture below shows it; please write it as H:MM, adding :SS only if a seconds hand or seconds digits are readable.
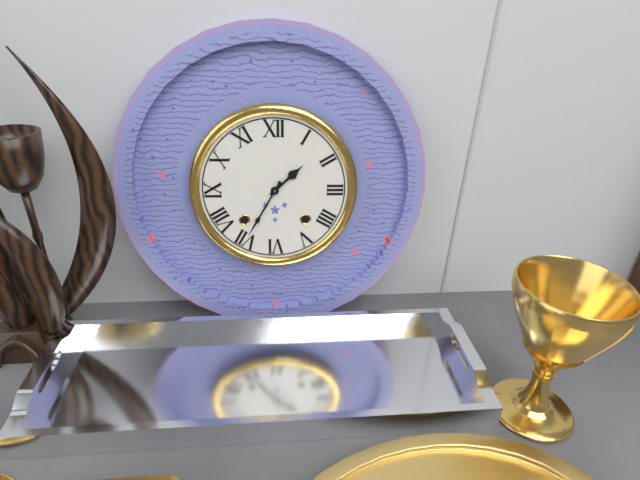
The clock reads 1:35
